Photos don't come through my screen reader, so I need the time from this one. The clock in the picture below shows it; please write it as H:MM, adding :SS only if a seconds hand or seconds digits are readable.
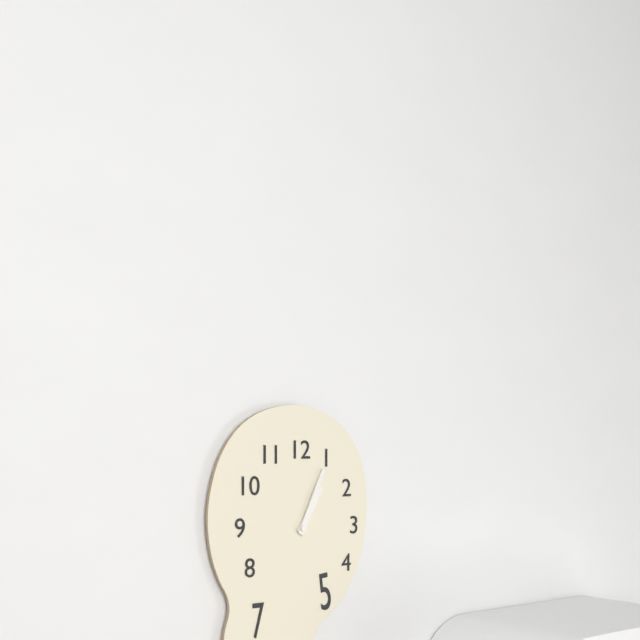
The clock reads 1:04
